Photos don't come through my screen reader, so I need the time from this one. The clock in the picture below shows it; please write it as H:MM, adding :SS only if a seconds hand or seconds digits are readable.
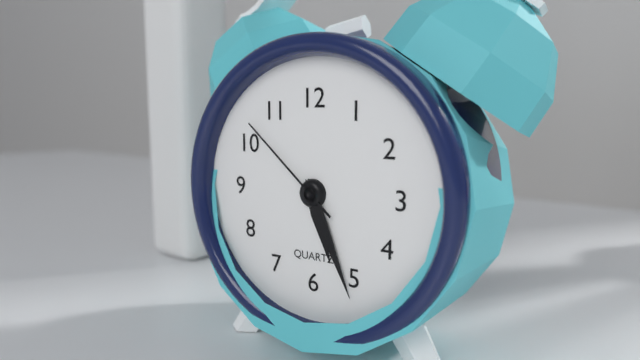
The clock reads 5:26:52
